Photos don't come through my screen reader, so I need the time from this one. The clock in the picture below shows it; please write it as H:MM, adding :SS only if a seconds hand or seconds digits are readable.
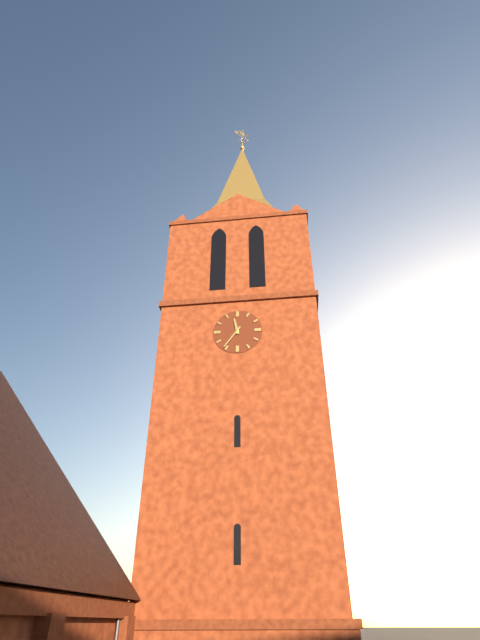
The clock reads 11:36
